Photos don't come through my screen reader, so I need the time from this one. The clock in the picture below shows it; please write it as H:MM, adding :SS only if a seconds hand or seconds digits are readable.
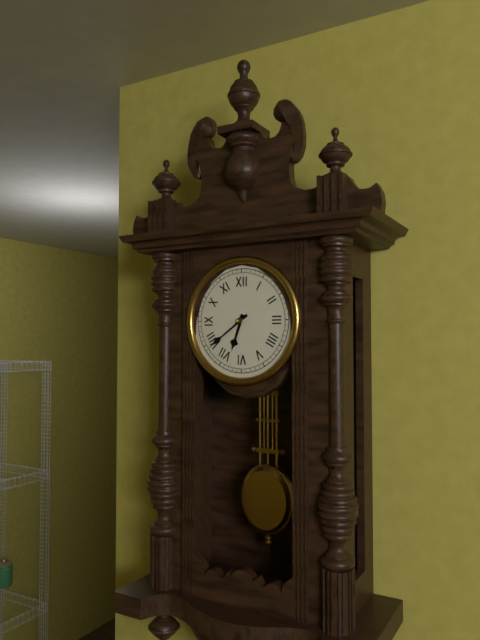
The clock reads 6:39
